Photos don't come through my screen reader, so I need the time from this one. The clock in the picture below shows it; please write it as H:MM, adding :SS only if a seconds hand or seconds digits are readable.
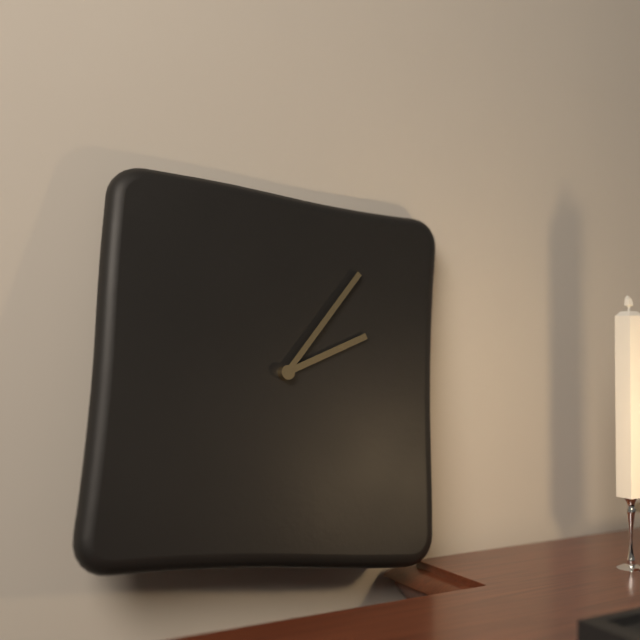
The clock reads 2:06
